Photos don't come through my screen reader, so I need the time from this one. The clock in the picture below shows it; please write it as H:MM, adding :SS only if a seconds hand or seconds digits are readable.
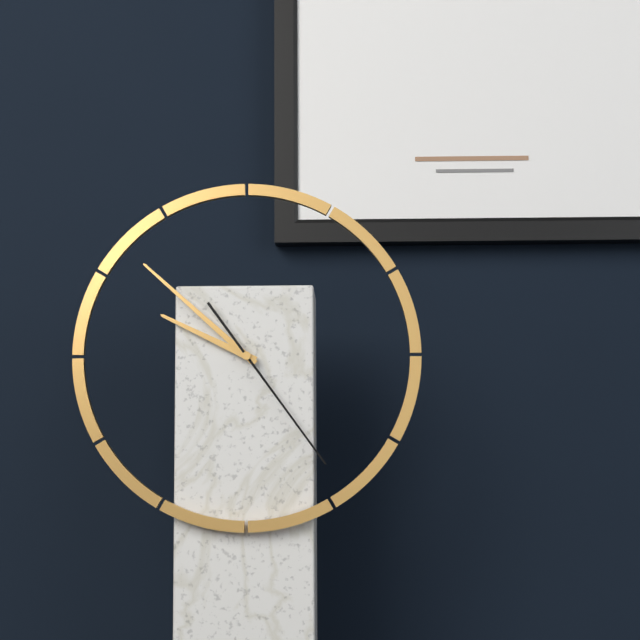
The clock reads 9:52:24
